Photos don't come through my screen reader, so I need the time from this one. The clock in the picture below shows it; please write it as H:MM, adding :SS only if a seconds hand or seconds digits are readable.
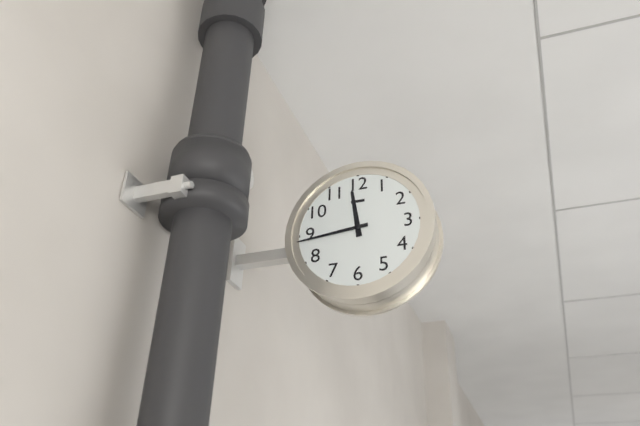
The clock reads 11:44
